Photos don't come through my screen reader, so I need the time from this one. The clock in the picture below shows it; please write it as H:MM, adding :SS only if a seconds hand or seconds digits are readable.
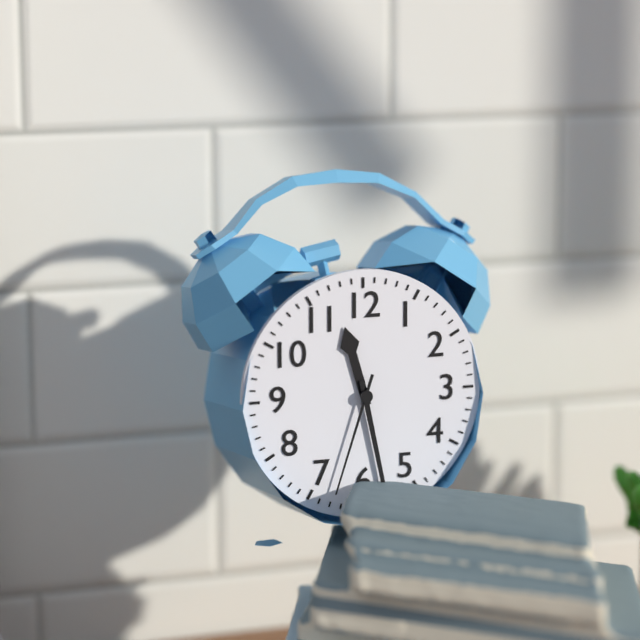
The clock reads 11:28:33
